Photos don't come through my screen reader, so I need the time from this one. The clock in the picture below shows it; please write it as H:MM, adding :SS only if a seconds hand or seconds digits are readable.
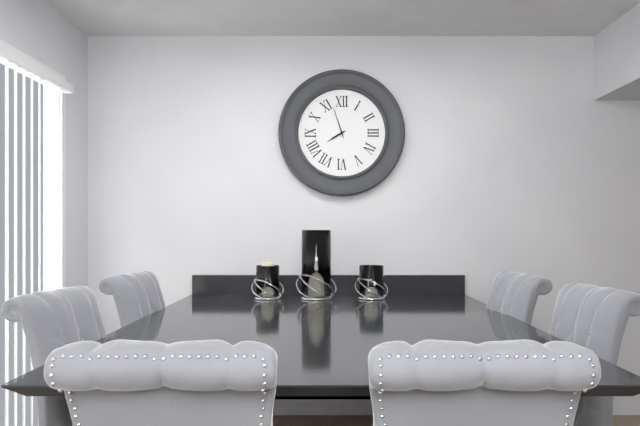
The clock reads 7:57
